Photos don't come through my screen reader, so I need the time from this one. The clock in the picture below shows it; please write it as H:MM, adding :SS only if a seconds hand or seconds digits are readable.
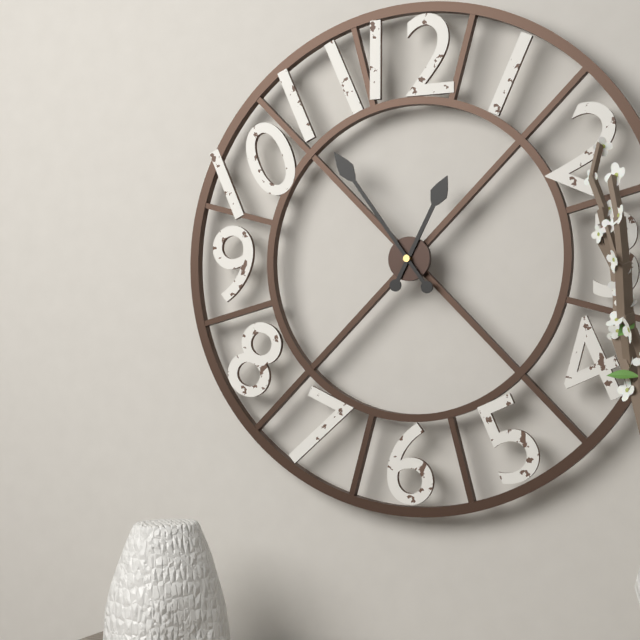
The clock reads 12:54
